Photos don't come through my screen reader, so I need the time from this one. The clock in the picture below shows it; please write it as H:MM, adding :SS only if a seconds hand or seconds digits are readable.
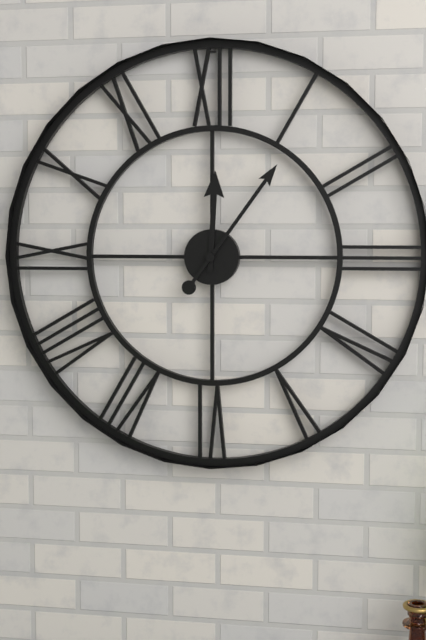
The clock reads 12:06
